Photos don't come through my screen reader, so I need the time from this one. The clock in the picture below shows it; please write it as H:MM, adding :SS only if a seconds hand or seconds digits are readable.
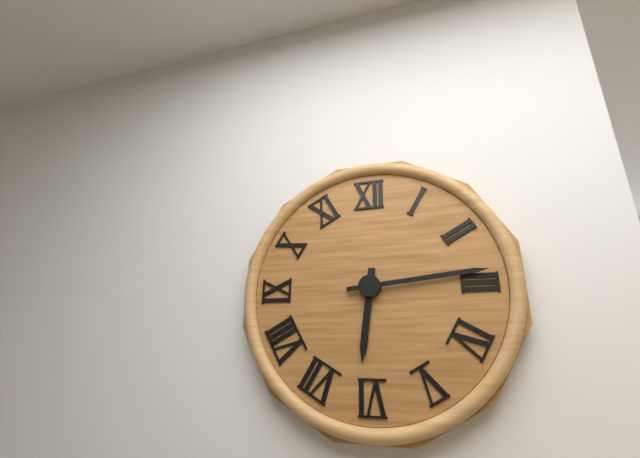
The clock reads 6:14
